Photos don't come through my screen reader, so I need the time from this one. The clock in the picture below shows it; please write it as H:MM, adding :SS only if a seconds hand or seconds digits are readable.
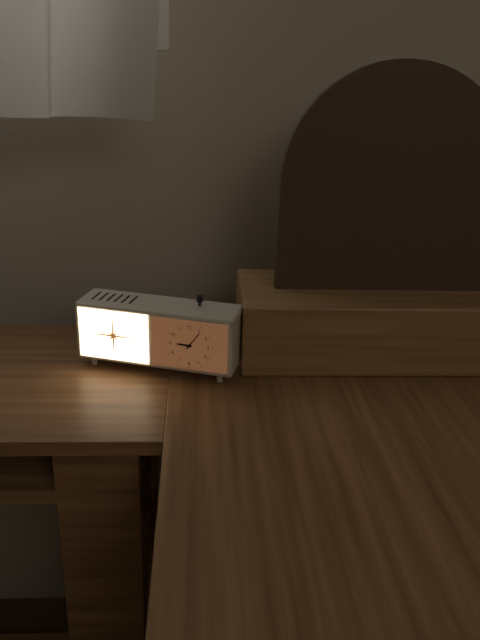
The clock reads 9:06
